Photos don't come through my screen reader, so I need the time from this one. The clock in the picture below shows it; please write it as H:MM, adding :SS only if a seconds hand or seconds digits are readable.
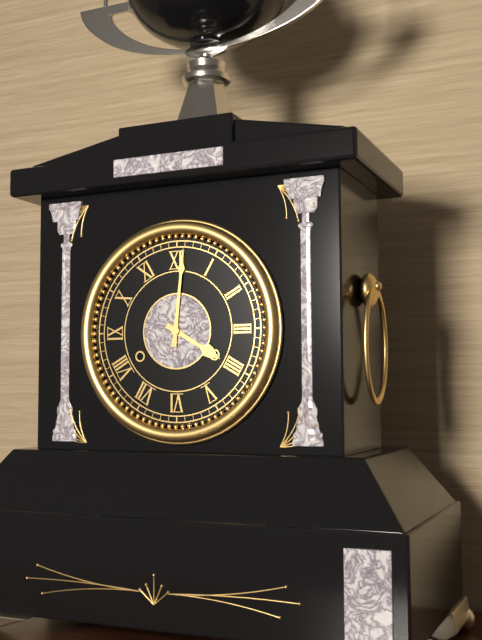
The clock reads 4:01
